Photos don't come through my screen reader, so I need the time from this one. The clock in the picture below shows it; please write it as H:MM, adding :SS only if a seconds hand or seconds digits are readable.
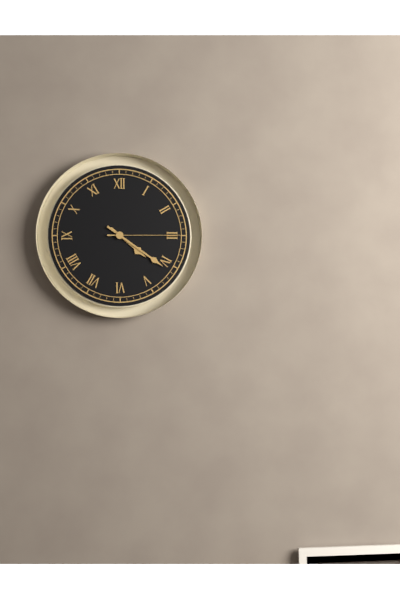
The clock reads 4:21:15
